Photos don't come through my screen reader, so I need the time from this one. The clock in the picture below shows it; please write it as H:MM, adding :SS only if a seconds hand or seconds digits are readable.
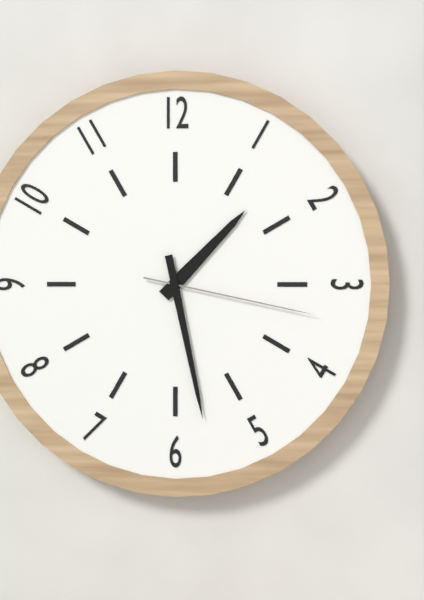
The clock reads 1:28:17
